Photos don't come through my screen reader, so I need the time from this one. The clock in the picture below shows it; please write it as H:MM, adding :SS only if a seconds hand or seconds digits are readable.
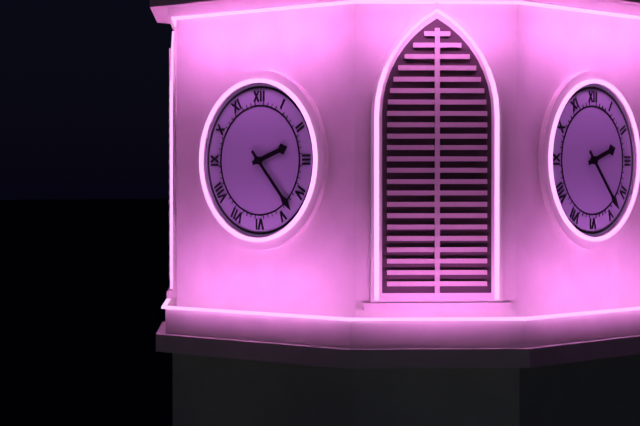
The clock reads 2:23
